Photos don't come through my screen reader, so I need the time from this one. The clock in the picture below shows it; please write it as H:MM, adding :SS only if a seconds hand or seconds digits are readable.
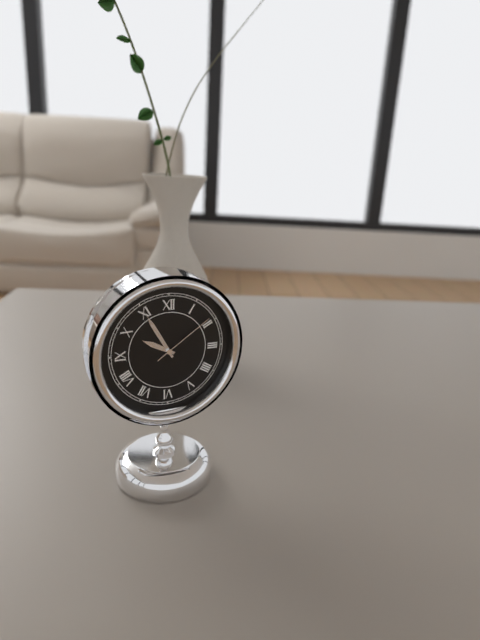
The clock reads 9:55:09
